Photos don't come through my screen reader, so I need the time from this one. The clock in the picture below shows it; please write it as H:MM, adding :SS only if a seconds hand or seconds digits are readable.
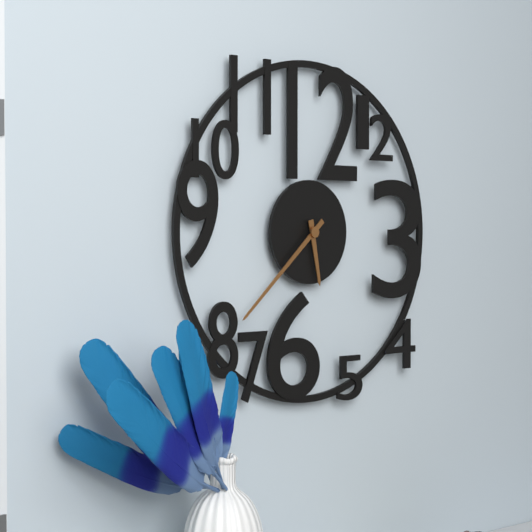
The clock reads 5:38
